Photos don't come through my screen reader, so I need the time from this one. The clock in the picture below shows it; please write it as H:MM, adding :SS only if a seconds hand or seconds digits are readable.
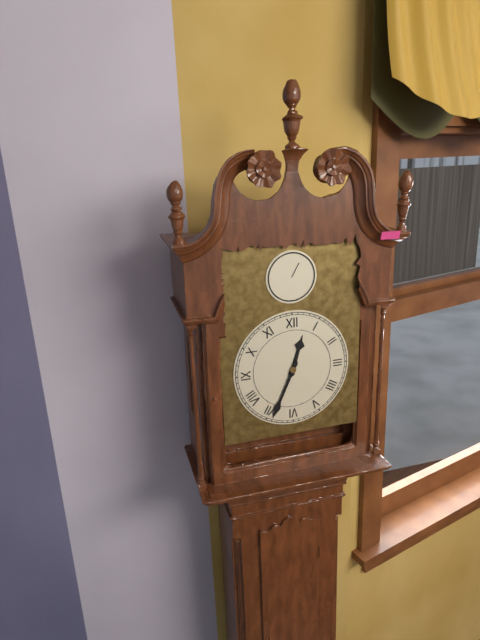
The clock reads 12:34
